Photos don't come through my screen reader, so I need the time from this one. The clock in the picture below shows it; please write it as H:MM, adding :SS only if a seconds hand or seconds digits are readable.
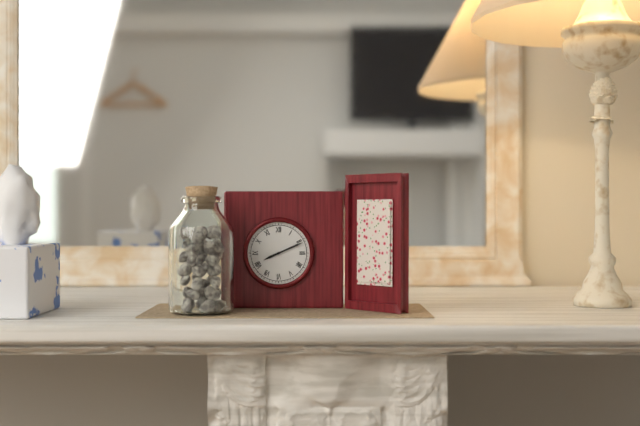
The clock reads 8:11
